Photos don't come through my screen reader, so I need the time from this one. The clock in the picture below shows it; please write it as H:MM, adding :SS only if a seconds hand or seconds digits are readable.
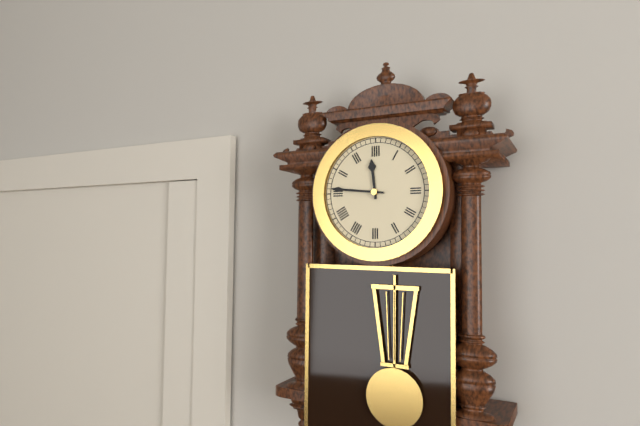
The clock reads 11:46
